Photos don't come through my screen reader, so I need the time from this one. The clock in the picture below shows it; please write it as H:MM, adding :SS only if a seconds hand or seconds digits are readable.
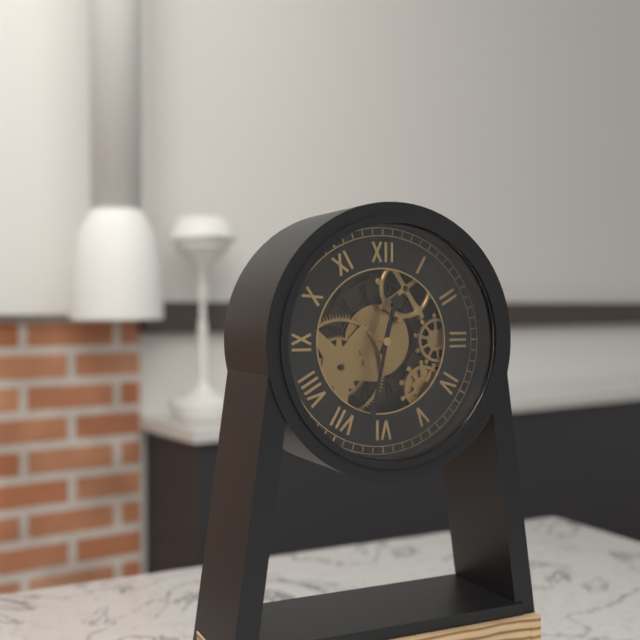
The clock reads 12:32
